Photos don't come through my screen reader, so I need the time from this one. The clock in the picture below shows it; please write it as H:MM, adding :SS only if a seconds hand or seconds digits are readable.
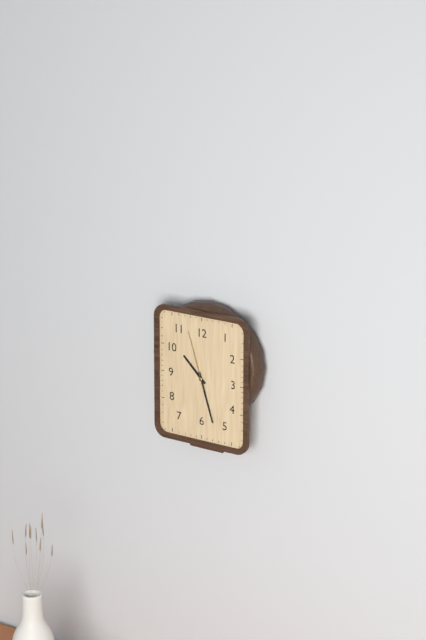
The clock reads 10:27:57
